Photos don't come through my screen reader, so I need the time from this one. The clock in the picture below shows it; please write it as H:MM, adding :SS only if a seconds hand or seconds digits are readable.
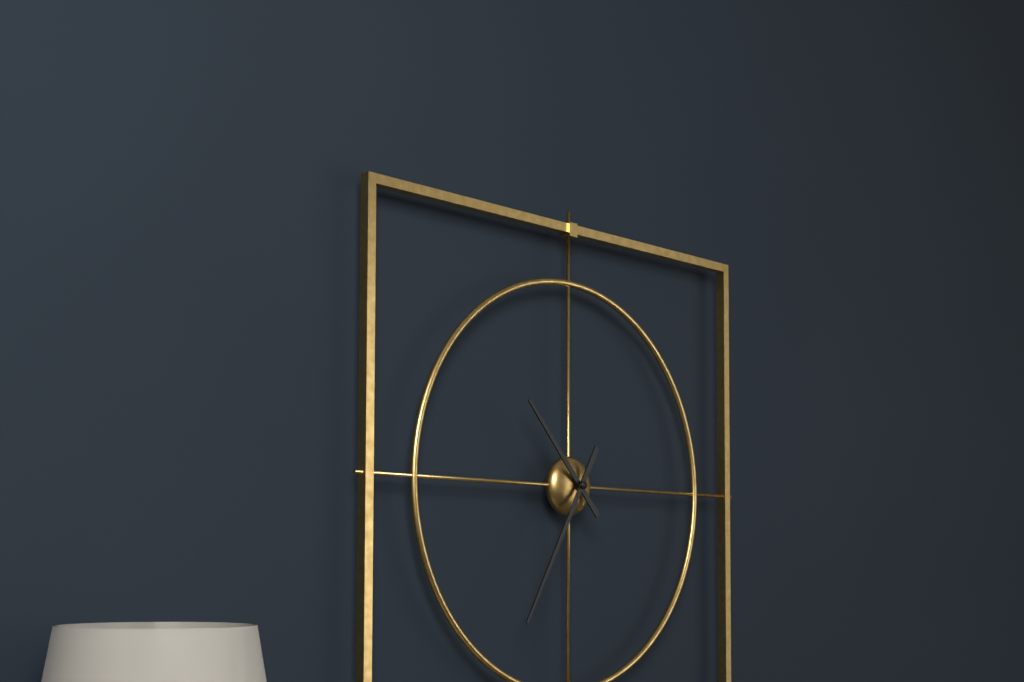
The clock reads 10:35
